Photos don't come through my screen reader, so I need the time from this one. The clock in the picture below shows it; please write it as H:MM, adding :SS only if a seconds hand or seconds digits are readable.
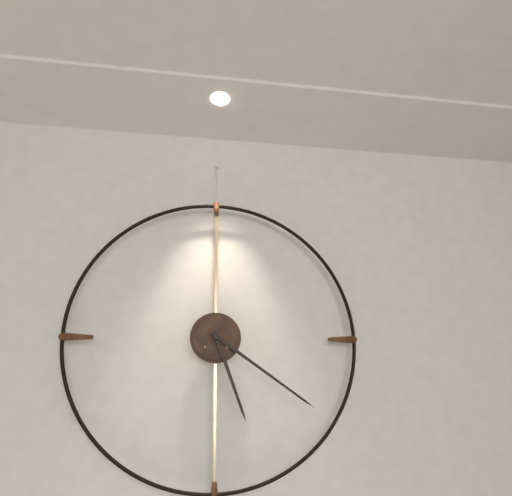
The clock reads 5:21
